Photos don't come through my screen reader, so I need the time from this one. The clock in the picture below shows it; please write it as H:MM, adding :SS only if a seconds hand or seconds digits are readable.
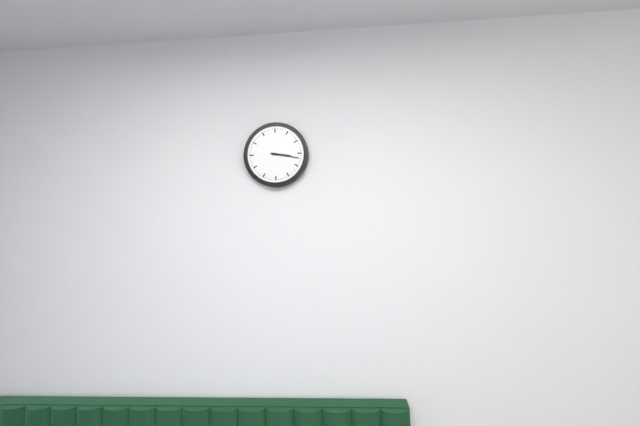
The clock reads 3:17
